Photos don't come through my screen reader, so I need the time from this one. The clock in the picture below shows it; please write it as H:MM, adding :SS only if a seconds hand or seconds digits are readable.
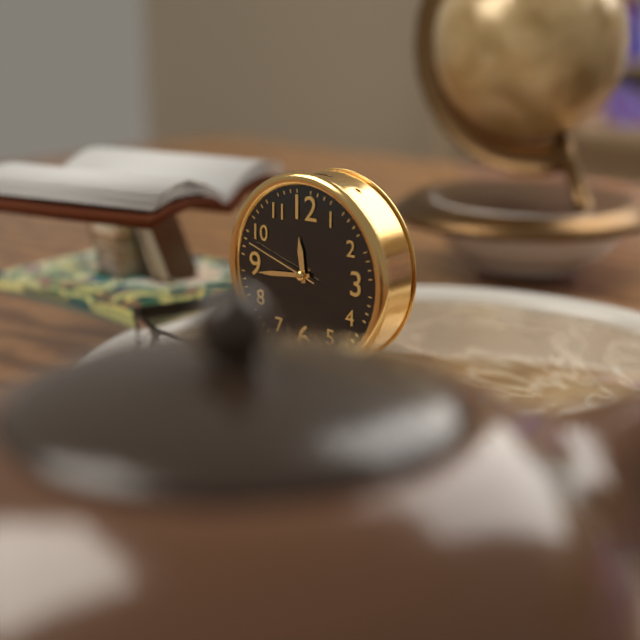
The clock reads 11:44:48
